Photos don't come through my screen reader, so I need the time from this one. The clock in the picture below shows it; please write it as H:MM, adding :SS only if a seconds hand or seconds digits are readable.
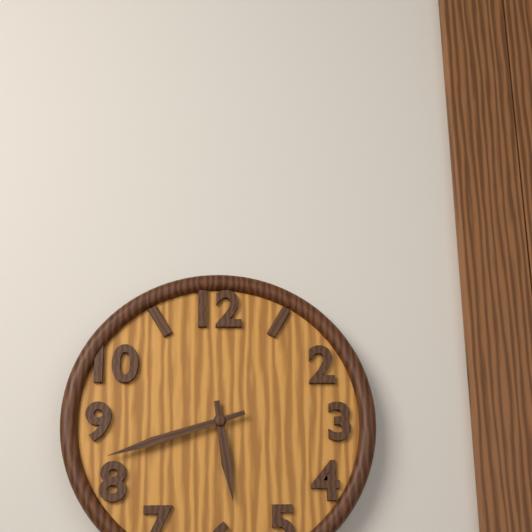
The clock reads 5:42
